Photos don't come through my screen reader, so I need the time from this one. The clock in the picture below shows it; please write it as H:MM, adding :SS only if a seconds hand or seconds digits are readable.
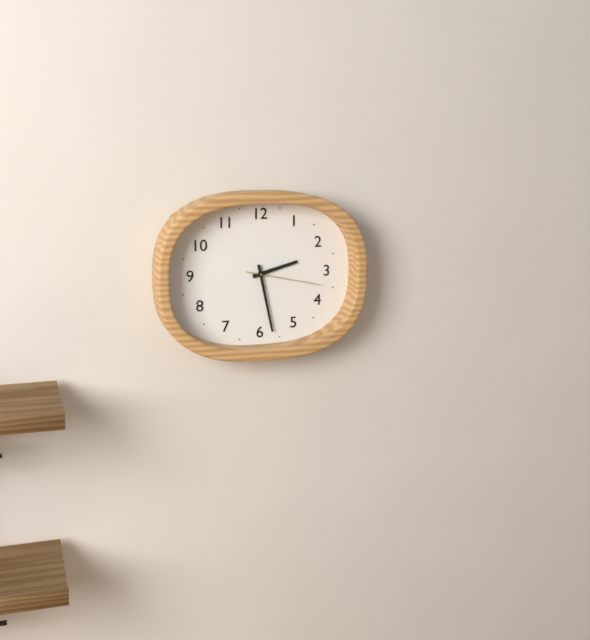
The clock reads 2:28:17
